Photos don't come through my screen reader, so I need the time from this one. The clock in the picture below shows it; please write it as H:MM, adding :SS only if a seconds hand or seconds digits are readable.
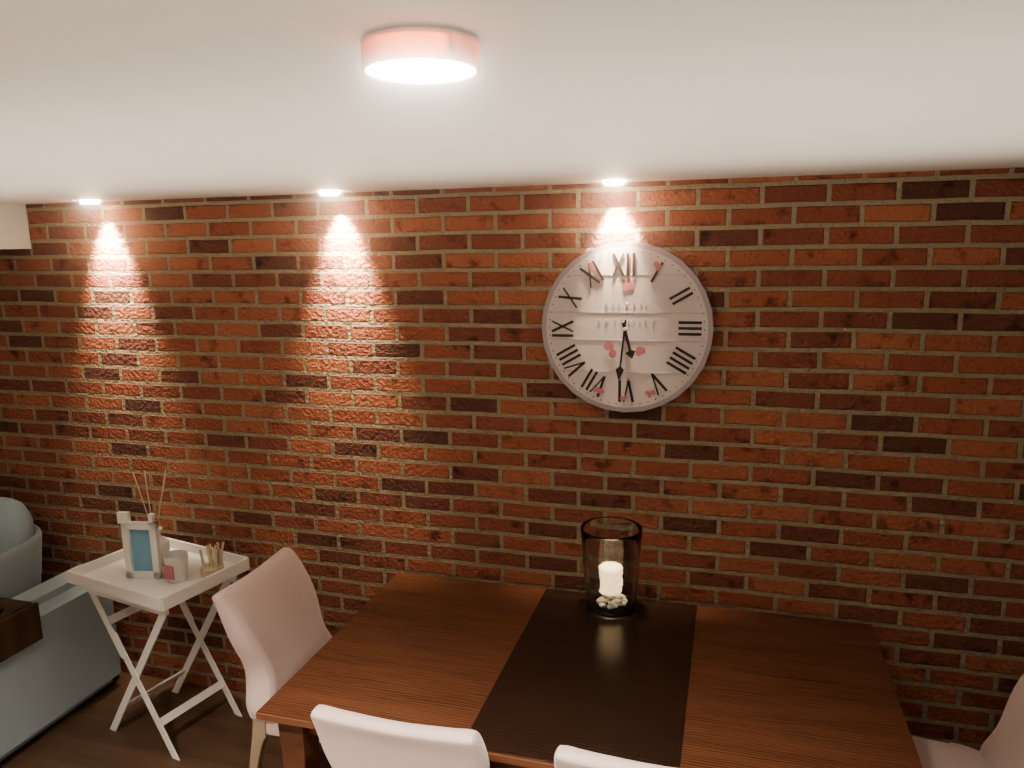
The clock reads 5:31
